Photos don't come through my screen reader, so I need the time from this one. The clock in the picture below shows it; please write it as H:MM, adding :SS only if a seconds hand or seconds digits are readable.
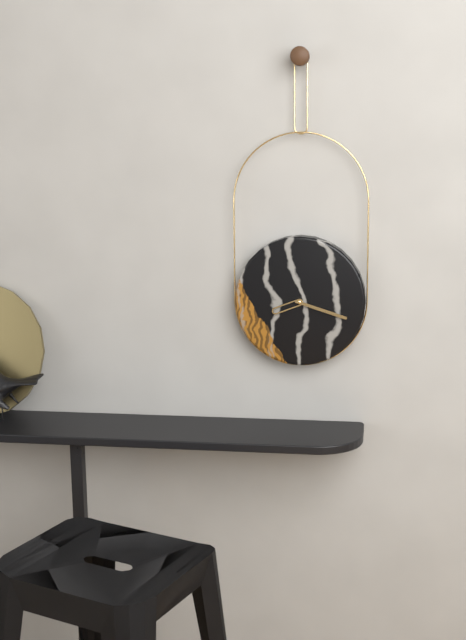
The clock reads 8:18
